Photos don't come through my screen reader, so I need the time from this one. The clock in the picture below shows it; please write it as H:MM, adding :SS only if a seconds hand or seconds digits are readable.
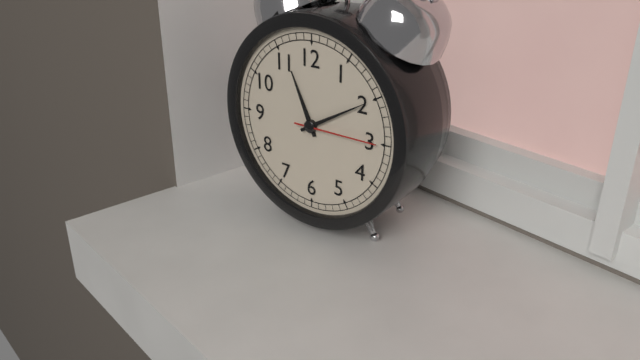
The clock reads 11:10:15
